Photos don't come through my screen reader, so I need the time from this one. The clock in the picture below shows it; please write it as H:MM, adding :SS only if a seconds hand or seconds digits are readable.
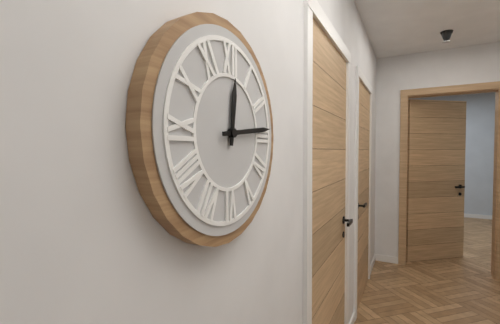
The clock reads 12:14
